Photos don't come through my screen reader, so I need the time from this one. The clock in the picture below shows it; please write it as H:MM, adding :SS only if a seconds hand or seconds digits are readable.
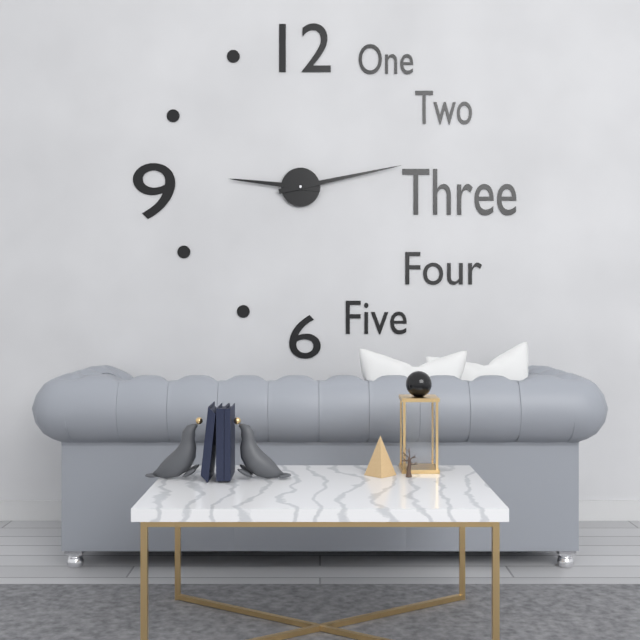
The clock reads 9:13
